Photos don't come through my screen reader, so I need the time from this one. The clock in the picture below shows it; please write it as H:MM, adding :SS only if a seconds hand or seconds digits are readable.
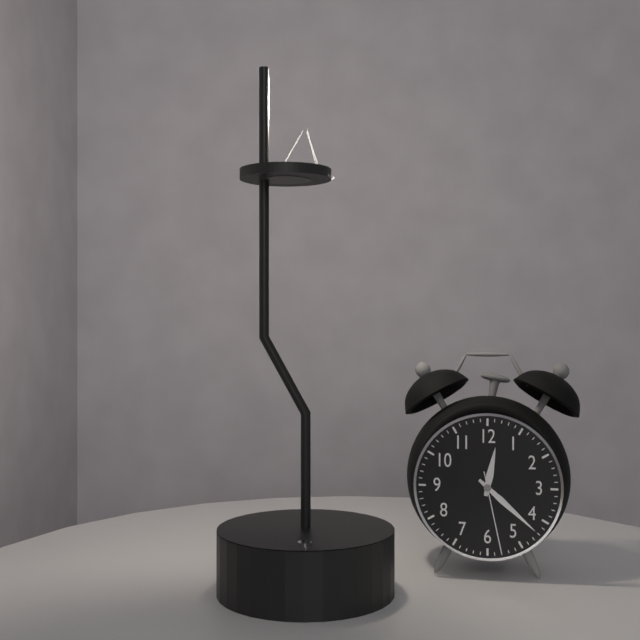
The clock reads 12:22:28
